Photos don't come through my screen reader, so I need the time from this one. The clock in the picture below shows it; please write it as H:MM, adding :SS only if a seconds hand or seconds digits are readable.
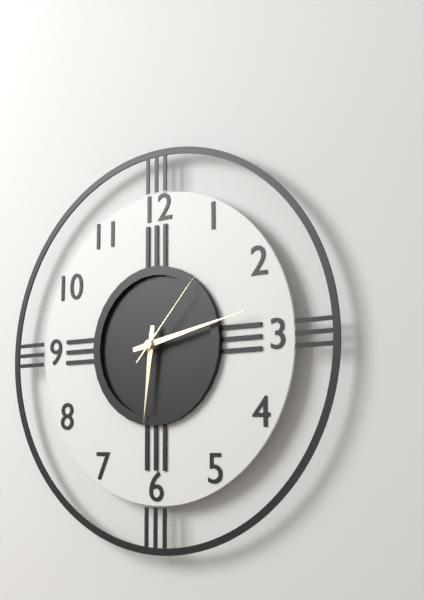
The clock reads 6:13:07
